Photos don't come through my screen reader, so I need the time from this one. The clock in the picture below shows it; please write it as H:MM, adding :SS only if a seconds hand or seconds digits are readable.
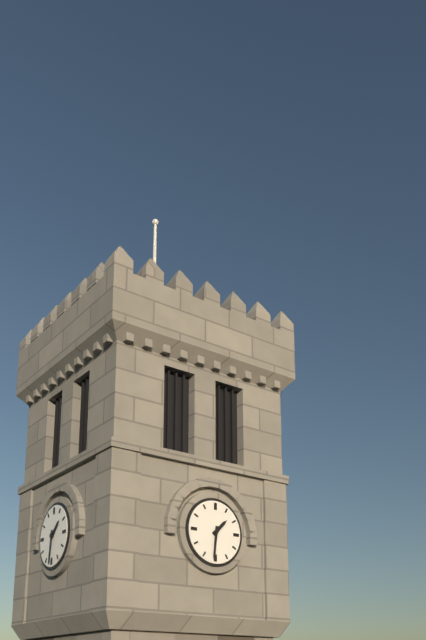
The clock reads 1:31
